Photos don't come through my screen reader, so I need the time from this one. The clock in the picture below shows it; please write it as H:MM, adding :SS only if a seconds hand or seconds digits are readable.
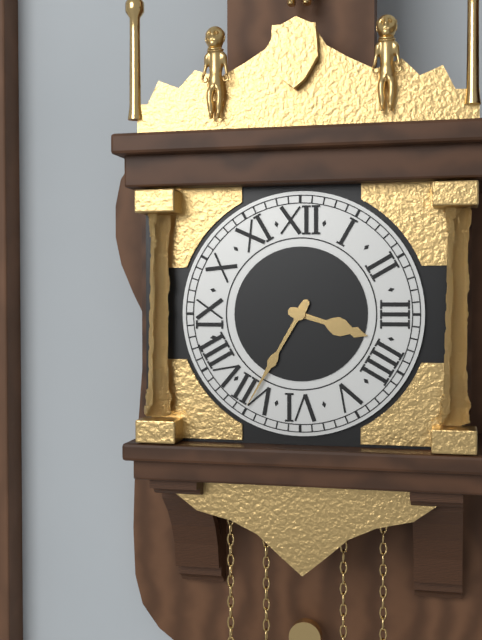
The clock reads 3:35
